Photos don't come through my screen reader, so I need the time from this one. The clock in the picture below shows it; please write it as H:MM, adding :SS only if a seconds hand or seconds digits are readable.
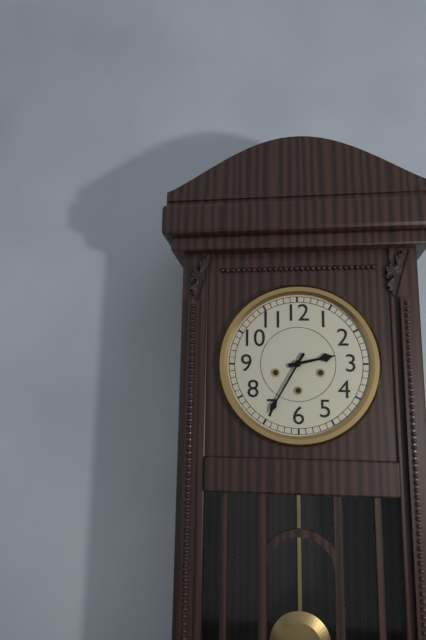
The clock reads 2:35
